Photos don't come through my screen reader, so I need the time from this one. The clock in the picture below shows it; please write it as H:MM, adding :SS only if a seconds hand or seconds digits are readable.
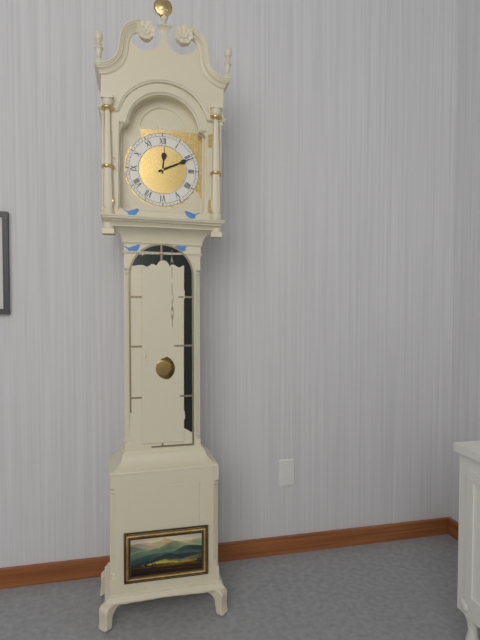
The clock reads 12:11
